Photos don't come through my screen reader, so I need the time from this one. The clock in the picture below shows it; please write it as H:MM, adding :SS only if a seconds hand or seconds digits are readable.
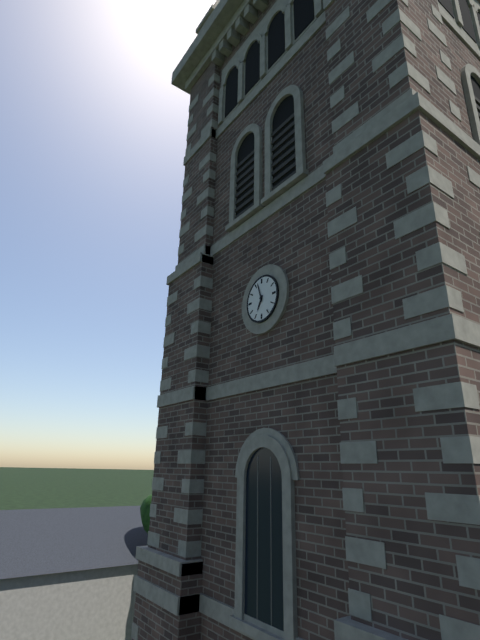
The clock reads 6:57
